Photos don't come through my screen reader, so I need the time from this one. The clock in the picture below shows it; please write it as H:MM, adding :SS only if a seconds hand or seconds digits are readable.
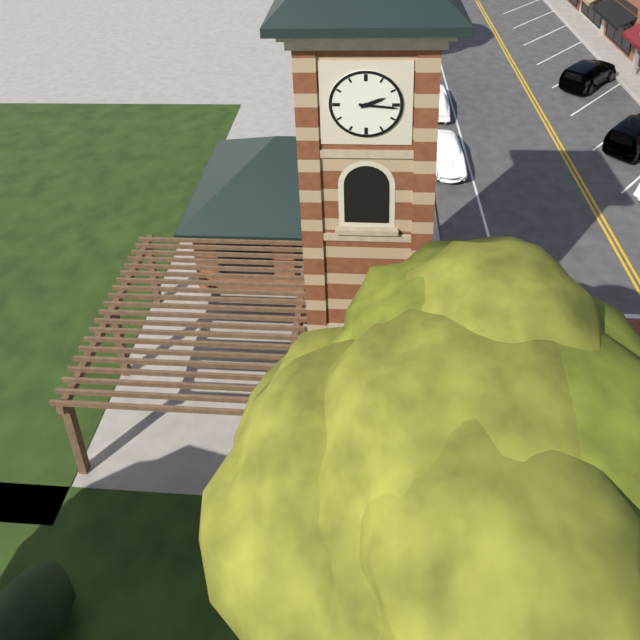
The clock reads 2:16
